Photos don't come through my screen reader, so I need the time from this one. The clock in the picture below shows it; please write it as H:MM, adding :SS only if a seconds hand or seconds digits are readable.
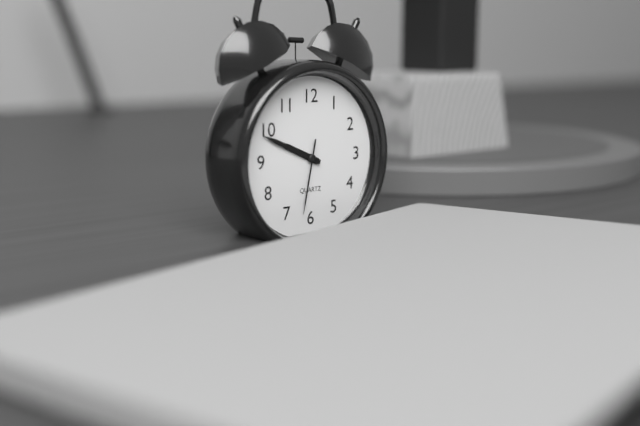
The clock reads 9:49:32
